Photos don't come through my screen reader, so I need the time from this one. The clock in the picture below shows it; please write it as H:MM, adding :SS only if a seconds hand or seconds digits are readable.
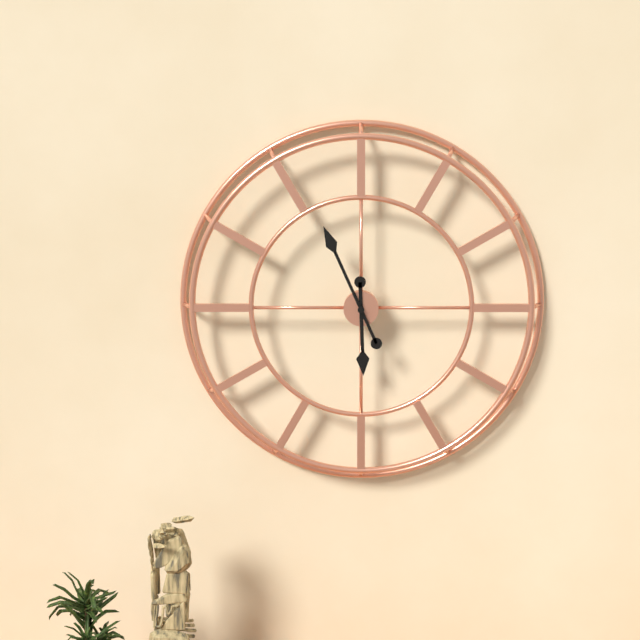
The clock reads 5:56
